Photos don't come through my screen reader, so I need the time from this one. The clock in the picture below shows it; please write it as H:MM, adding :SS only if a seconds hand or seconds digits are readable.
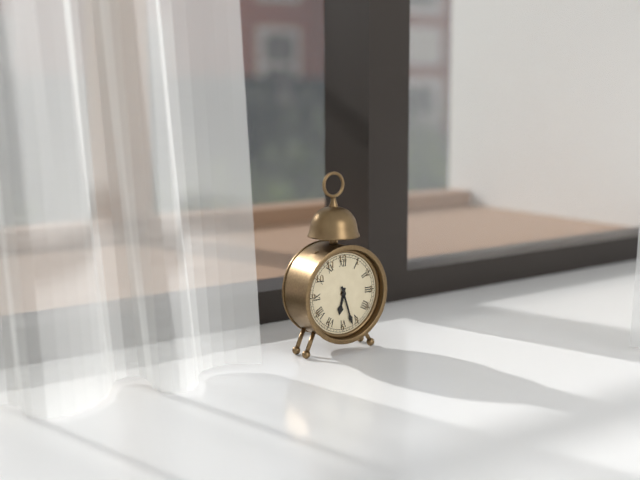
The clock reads 6:27
